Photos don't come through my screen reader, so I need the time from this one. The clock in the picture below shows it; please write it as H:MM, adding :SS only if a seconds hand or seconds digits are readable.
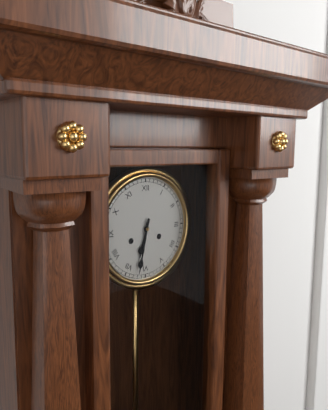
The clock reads 6:32
